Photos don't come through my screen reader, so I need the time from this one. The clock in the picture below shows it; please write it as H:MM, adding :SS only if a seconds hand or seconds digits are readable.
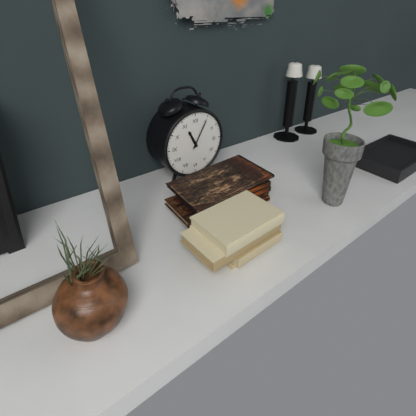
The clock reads 11:05
